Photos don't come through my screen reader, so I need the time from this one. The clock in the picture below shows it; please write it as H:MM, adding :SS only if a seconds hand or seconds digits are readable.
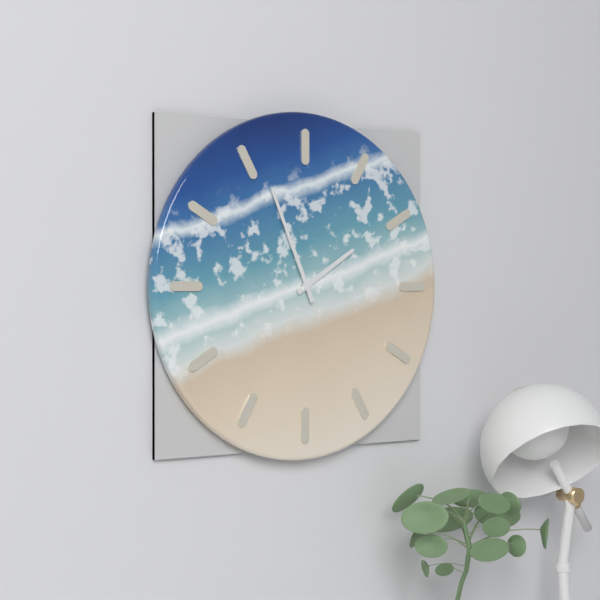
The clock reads 1:56
